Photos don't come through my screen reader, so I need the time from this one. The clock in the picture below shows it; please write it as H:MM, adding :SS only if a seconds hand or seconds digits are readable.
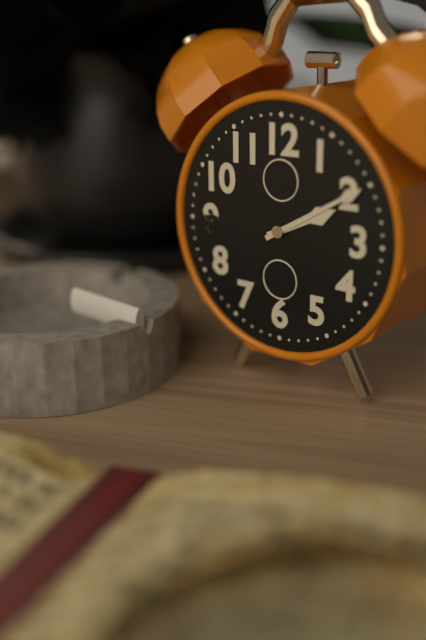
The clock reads 2:10
